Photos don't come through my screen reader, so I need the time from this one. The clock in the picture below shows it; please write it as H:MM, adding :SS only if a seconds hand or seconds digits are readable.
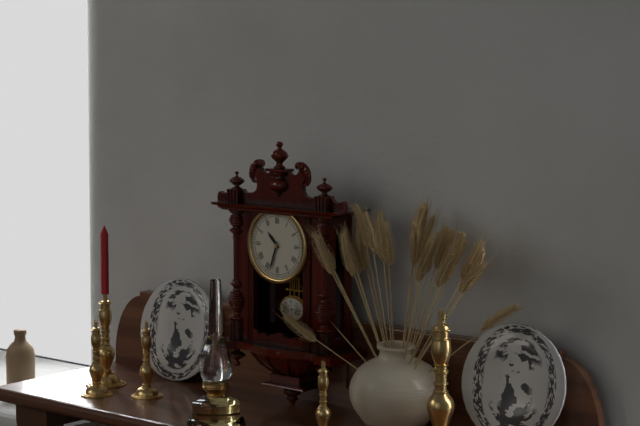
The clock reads 10:33
